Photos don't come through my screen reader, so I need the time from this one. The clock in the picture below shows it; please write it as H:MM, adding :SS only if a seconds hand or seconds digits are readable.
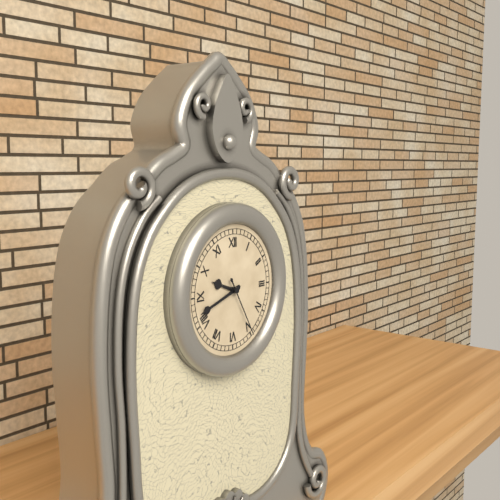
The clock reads 9:42:25
